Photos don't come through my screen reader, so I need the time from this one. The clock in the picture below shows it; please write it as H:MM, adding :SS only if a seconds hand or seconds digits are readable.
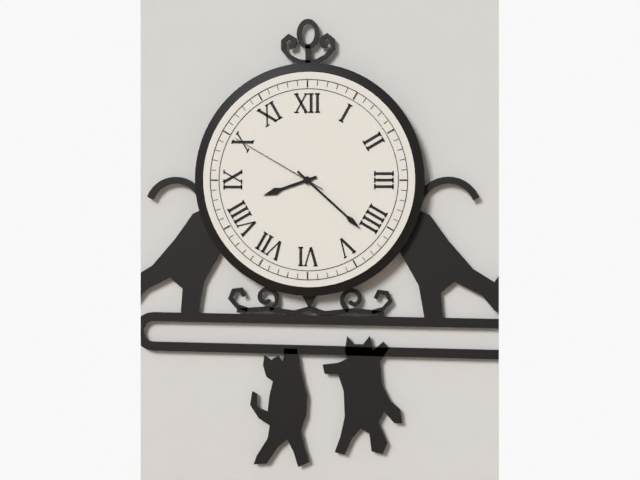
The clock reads 8:22:50
